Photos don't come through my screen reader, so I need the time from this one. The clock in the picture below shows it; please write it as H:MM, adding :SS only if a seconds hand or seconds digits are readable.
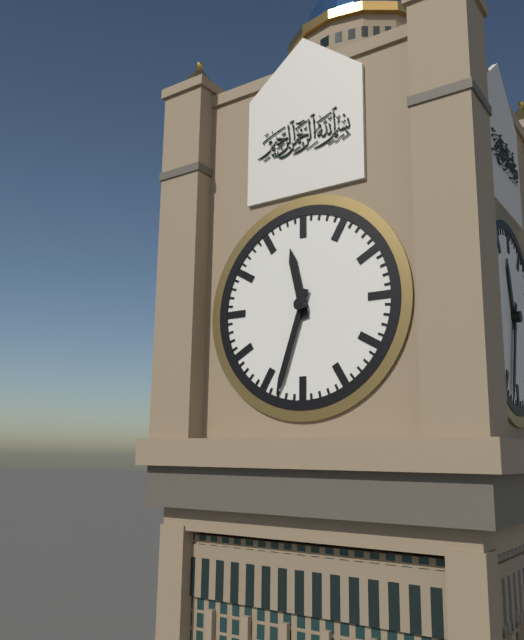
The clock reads 11:33
